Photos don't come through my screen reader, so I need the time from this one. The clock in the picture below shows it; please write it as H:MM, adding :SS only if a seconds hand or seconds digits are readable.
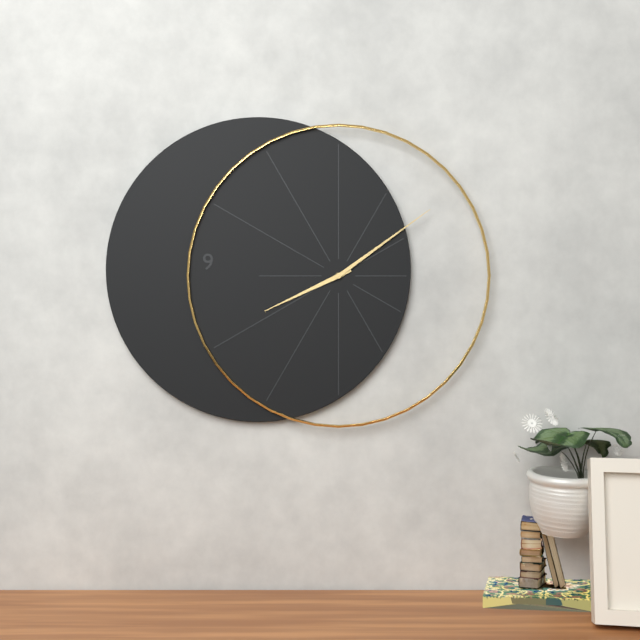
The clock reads 8:09
